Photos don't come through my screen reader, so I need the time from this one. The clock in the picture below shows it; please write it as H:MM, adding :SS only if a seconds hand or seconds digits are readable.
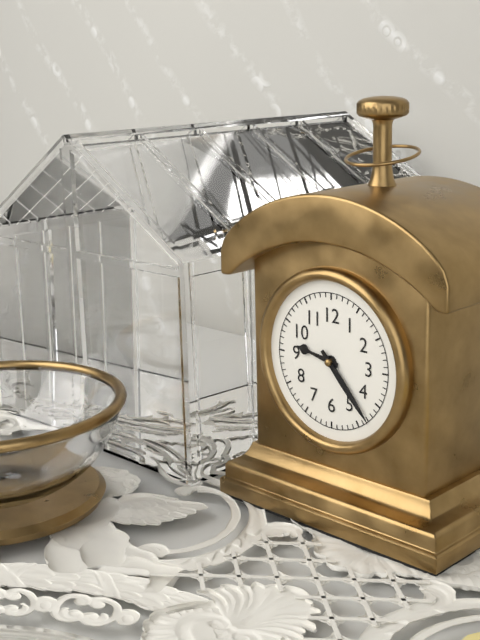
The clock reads 9:23
